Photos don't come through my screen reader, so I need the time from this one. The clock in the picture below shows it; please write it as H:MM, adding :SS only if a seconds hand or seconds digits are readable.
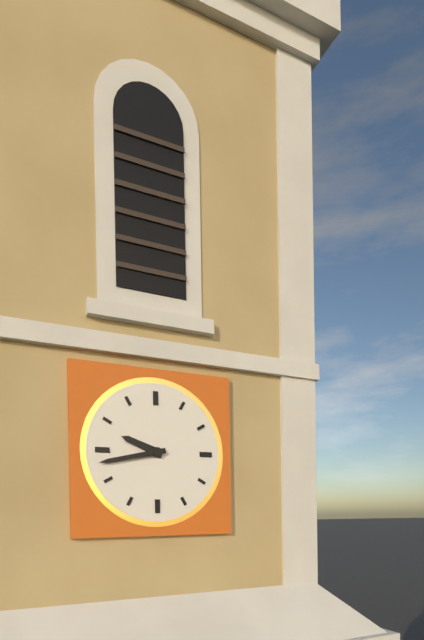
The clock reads 9:43
